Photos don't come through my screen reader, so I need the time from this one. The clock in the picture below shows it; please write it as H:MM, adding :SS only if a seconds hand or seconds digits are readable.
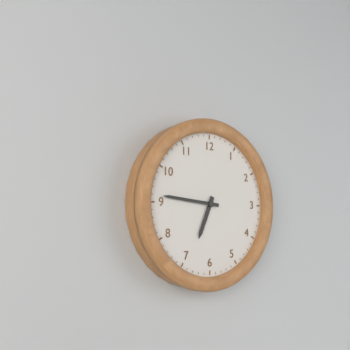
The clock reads 6:46
